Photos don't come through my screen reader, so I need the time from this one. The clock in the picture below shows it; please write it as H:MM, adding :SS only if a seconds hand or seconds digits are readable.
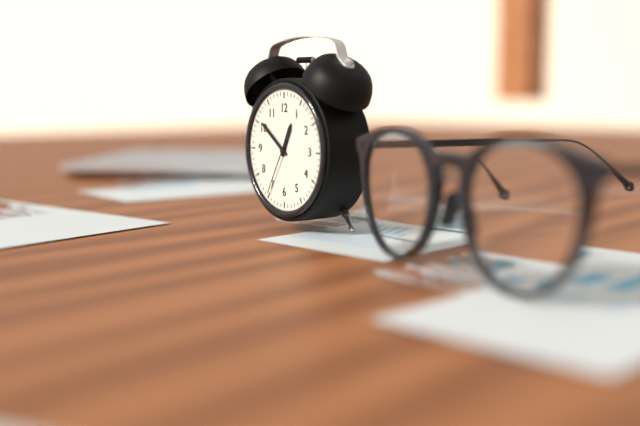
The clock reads 12:51:35
